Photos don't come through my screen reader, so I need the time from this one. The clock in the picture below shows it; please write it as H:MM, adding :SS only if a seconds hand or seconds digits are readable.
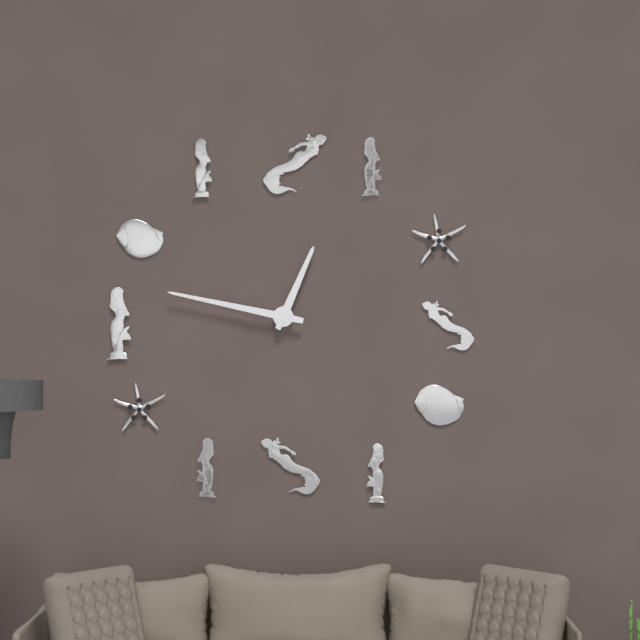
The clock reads 12:47
